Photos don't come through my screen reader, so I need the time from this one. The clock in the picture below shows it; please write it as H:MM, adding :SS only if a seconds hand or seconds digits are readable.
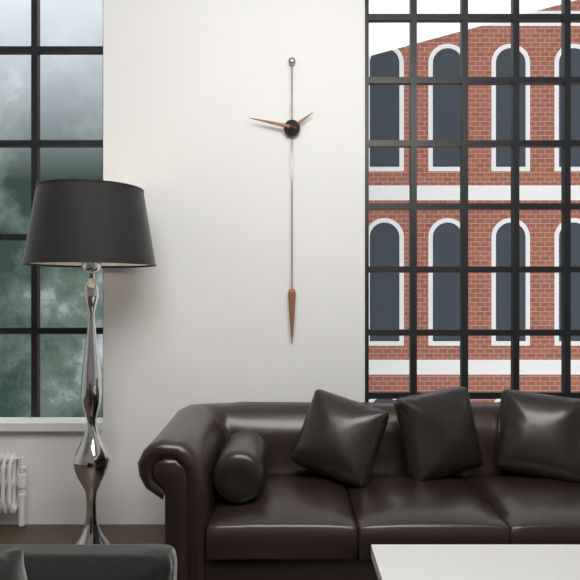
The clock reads 1:47
